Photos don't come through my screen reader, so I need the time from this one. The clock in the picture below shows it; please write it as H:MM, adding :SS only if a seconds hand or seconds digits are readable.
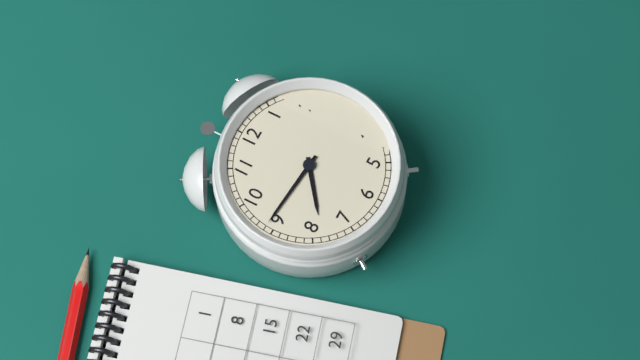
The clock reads 7:46
